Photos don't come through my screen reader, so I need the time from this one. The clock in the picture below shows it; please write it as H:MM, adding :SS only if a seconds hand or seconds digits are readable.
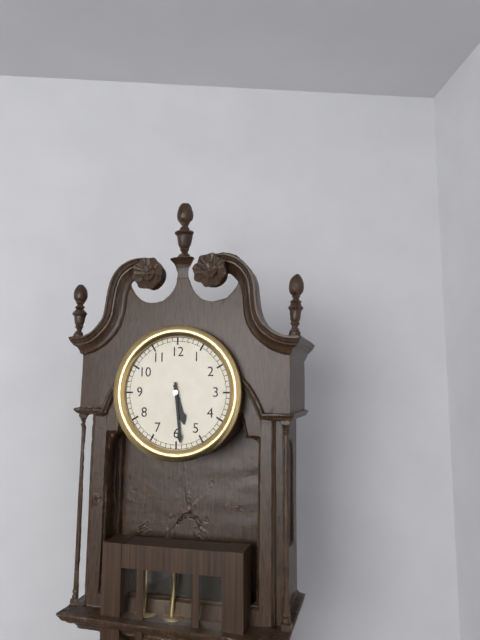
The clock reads 5:29
